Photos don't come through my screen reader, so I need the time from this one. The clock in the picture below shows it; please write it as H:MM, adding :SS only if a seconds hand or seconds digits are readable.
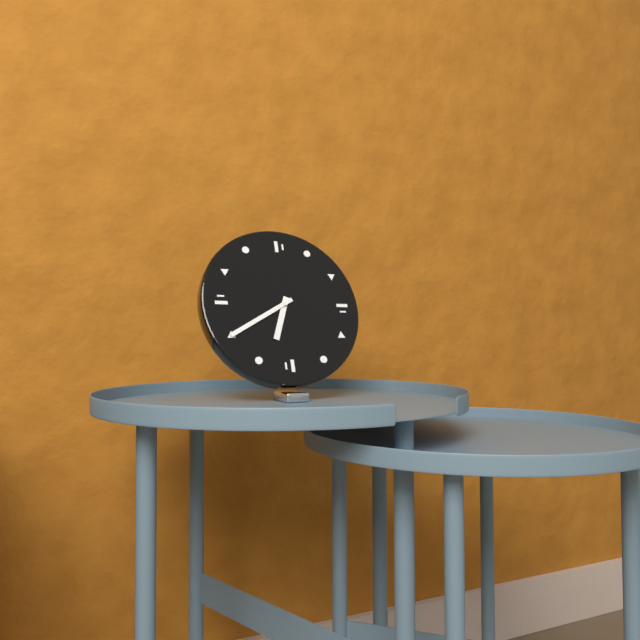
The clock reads 6:40
